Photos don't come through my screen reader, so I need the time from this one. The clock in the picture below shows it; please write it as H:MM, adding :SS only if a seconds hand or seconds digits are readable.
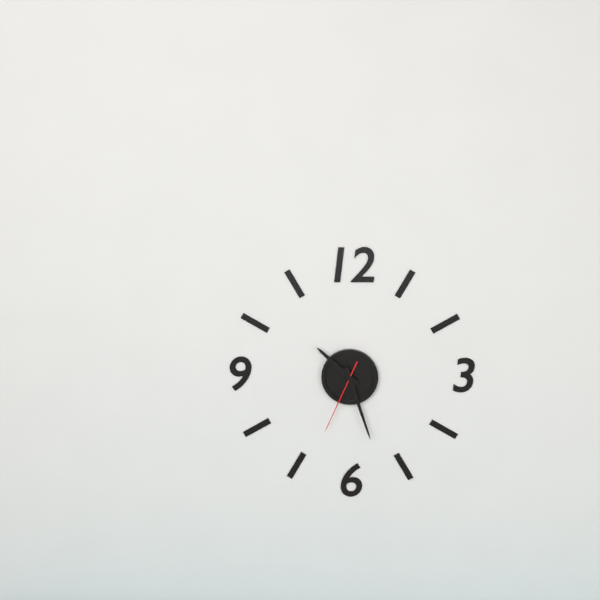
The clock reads 10:27:34
